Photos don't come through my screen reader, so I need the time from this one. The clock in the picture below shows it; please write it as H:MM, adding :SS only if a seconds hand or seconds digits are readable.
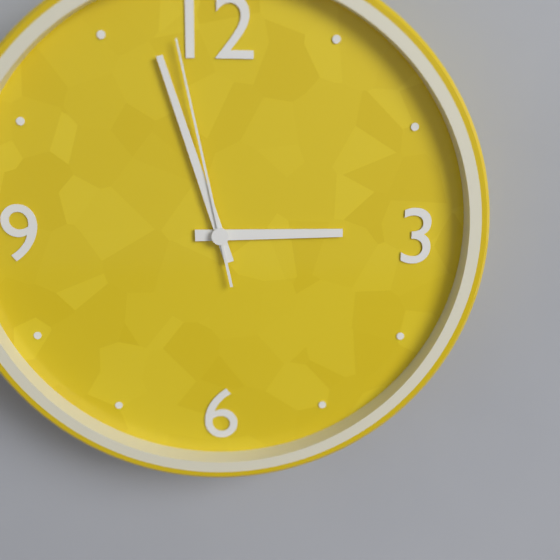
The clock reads 2:57:58
